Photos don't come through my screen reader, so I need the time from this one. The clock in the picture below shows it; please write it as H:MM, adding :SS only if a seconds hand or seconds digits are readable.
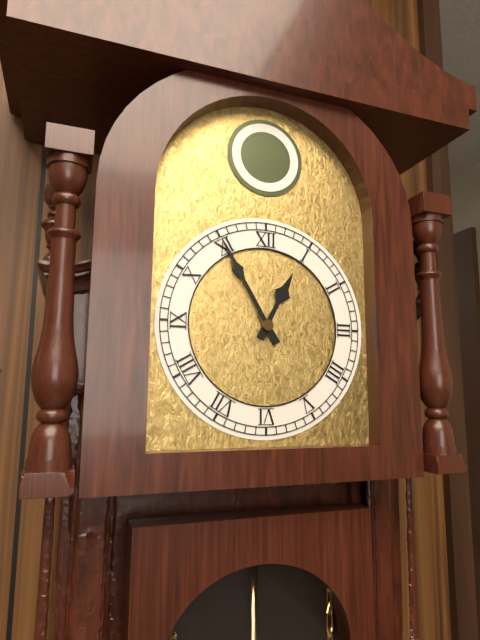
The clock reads 12:55
